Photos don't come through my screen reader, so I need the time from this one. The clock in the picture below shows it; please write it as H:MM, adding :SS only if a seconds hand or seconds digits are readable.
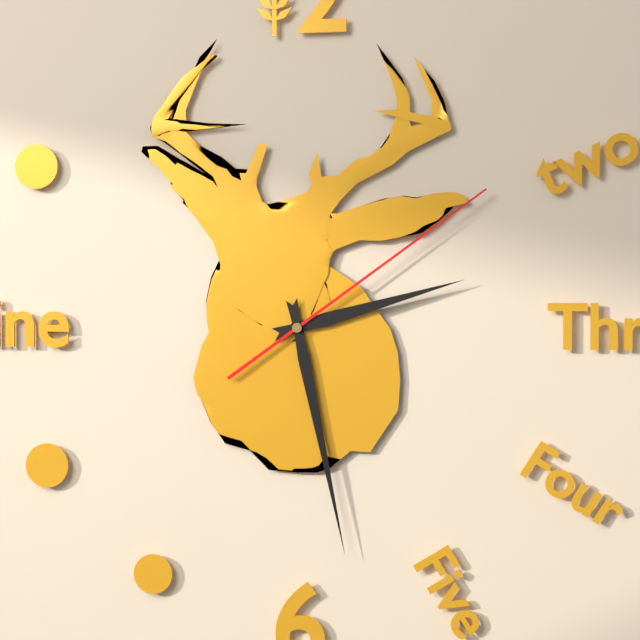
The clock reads 2:28:09
